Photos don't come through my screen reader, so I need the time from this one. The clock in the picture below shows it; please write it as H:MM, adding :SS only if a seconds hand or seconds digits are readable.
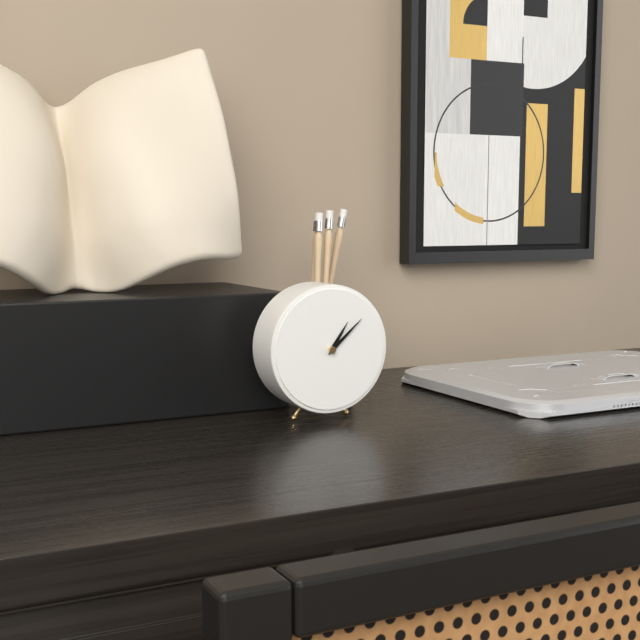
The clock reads 1:08
